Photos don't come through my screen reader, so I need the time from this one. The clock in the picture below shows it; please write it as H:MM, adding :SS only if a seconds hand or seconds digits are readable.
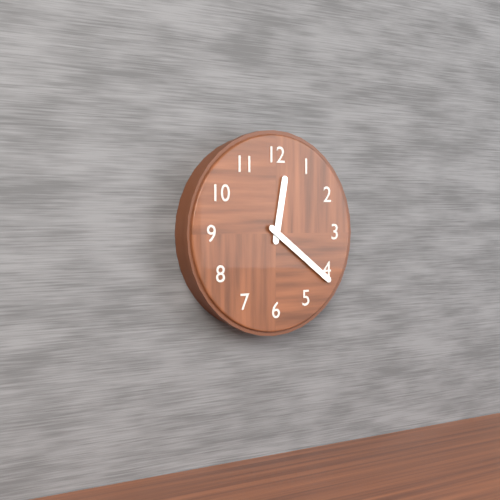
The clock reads 12:21
